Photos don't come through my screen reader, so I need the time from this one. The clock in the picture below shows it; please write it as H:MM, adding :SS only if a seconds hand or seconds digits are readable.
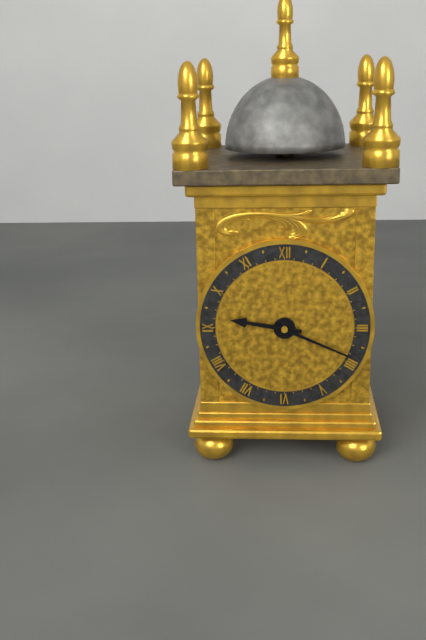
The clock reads 9:19
